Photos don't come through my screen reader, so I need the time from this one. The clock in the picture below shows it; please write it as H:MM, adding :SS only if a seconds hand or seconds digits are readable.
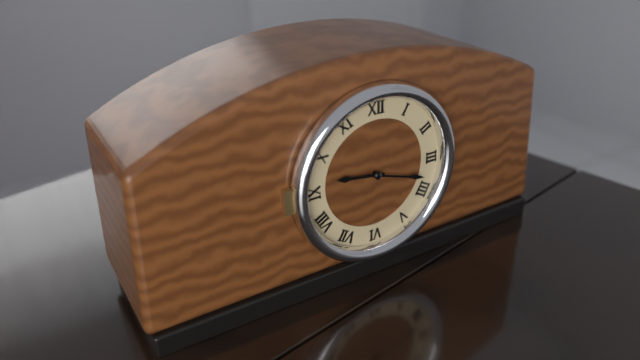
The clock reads 9:18
